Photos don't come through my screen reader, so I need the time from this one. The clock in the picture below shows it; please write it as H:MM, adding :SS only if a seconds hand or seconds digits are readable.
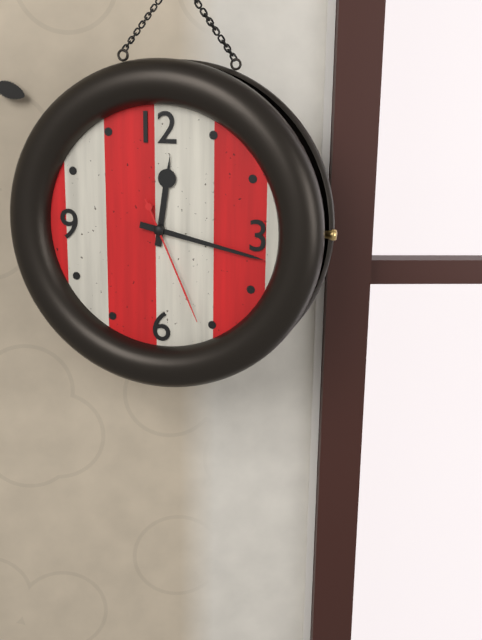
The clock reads 12:17:26
